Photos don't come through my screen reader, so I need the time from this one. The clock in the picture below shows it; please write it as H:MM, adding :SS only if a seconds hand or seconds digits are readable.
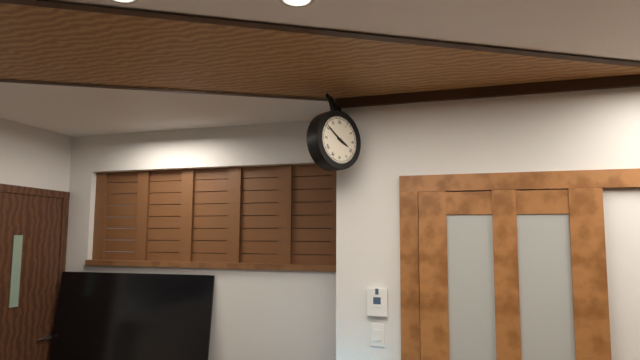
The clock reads 3:51
